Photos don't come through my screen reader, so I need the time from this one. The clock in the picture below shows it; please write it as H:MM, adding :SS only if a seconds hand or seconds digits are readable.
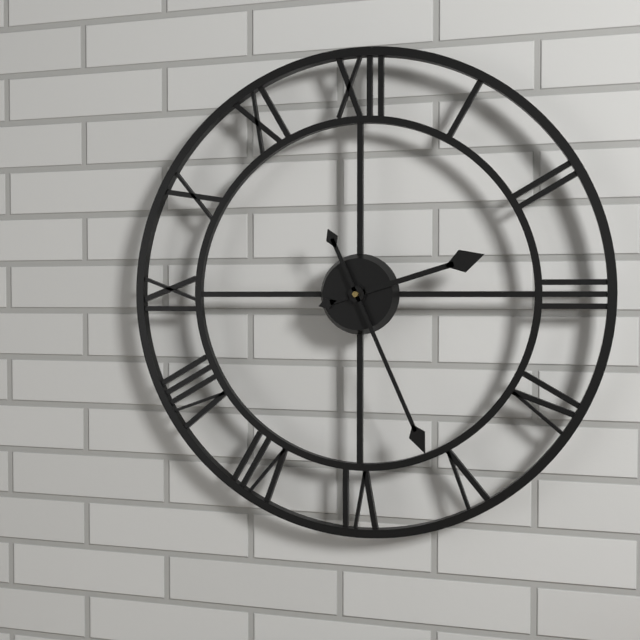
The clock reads 2:26
